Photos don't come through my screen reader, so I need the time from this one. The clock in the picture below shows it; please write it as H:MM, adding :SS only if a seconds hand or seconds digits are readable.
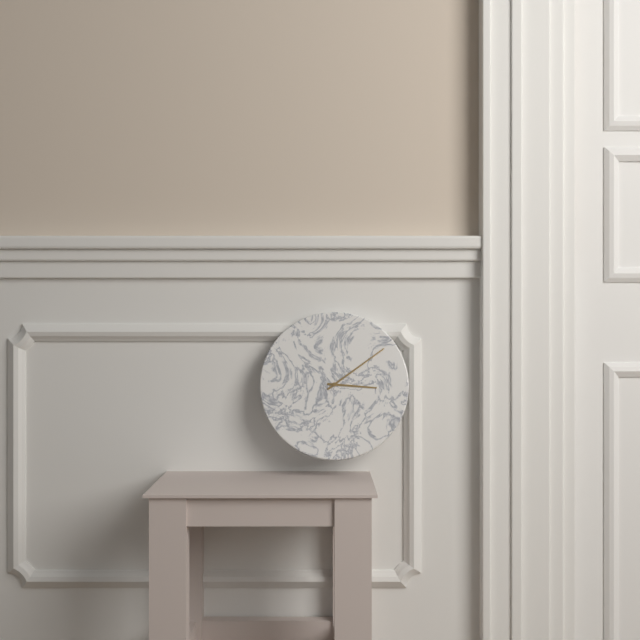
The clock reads 3:09
